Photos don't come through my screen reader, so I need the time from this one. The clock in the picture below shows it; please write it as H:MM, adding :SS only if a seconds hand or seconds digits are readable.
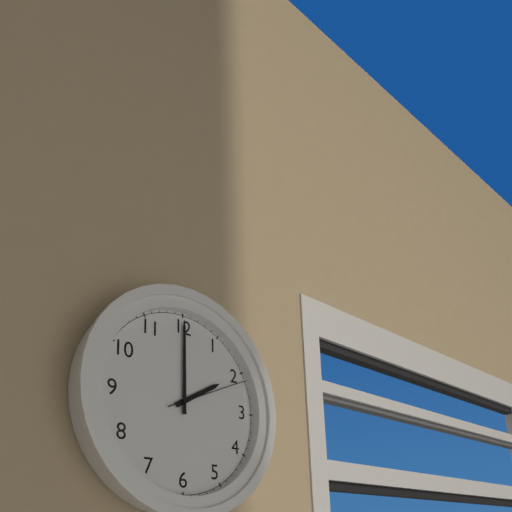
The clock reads 2:00:11
